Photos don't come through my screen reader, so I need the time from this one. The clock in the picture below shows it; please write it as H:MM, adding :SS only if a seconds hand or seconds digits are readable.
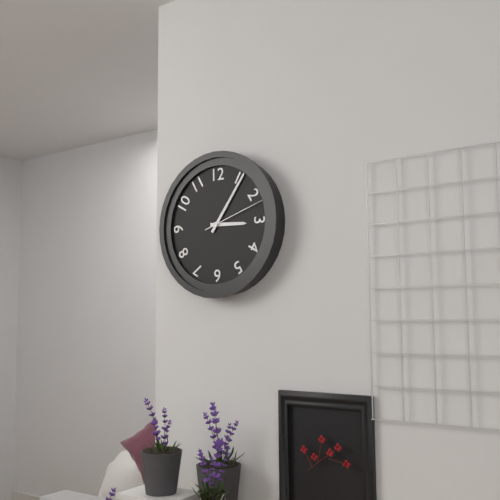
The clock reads 3:06:12
